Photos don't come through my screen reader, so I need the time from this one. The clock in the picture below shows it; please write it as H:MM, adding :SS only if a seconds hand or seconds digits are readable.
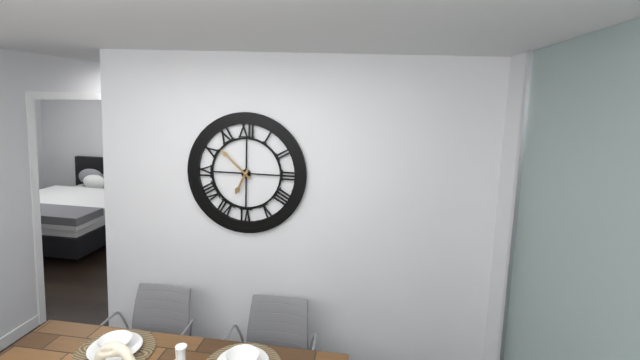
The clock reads 6:52
